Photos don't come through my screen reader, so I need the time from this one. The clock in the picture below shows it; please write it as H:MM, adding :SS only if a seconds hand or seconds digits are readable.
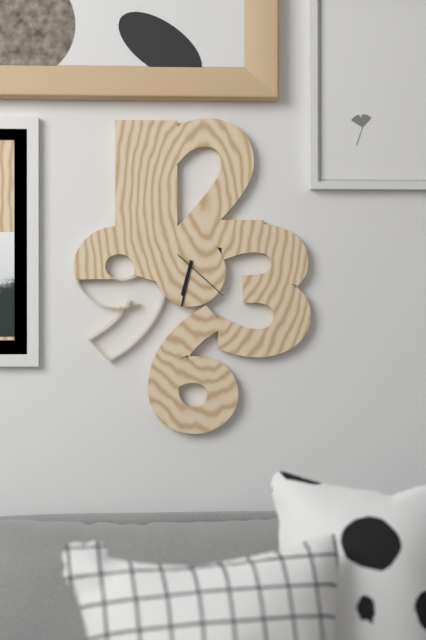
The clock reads 6:32:22
